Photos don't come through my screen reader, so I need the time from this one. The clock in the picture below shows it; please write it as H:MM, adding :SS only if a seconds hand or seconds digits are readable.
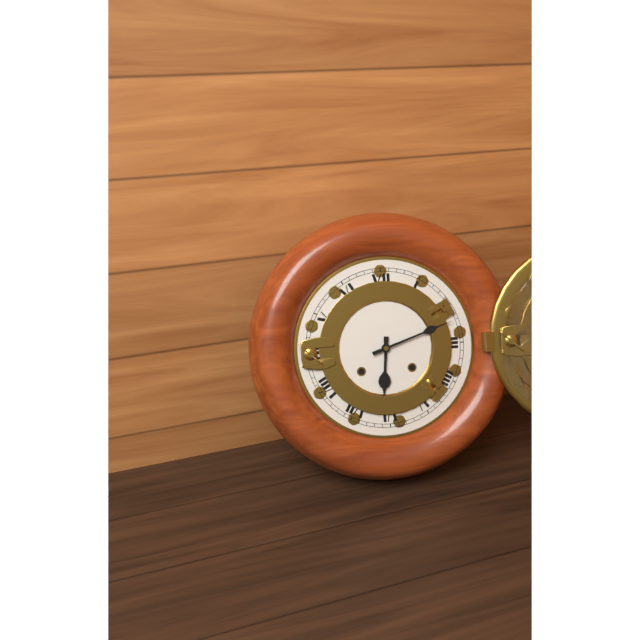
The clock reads 6:12
